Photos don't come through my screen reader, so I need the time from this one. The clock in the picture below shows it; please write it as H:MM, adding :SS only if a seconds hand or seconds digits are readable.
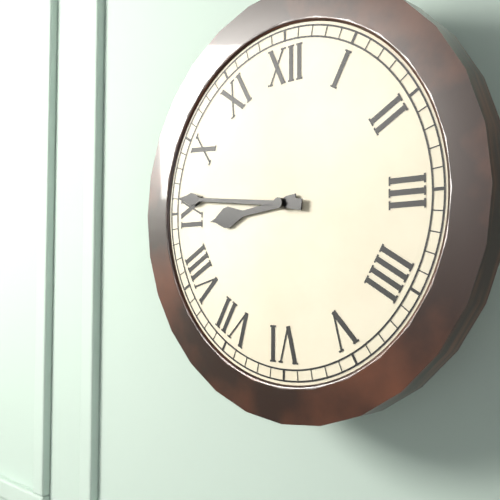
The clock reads 8:46
